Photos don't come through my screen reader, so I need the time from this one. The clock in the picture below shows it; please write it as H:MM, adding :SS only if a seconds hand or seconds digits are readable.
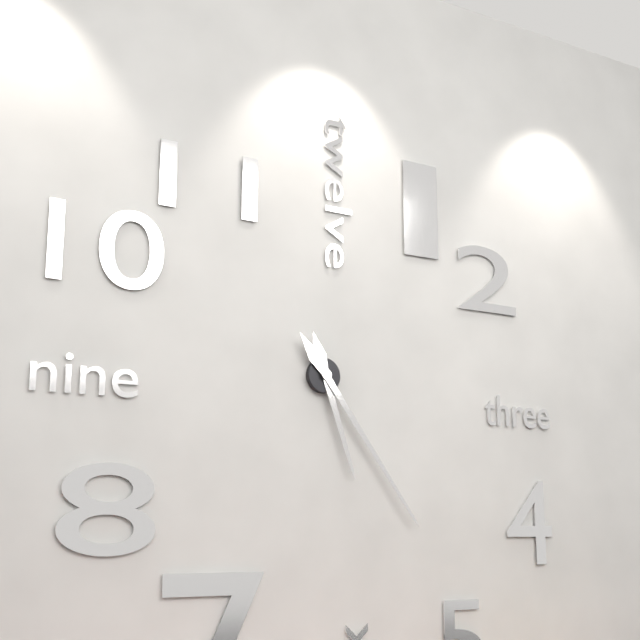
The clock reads 5:24
